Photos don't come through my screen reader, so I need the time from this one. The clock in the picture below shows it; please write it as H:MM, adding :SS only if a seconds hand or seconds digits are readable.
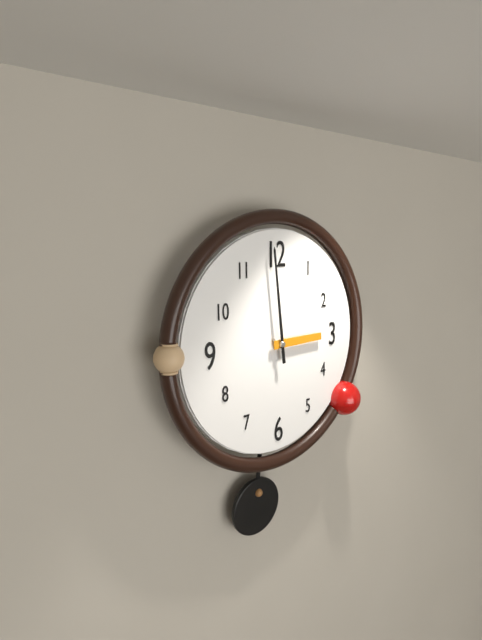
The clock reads 2:59
